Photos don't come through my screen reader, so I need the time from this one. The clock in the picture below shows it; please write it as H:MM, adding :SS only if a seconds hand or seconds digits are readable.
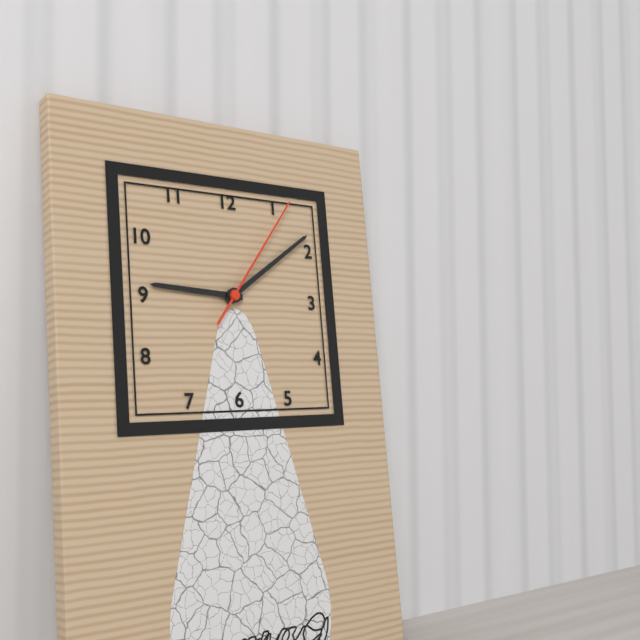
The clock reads 9:09:06
